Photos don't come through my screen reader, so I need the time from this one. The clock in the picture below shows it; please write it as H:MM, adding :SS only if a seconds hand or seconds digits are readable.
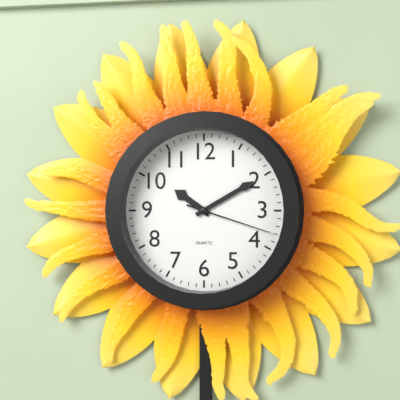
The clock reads 10:10:18
